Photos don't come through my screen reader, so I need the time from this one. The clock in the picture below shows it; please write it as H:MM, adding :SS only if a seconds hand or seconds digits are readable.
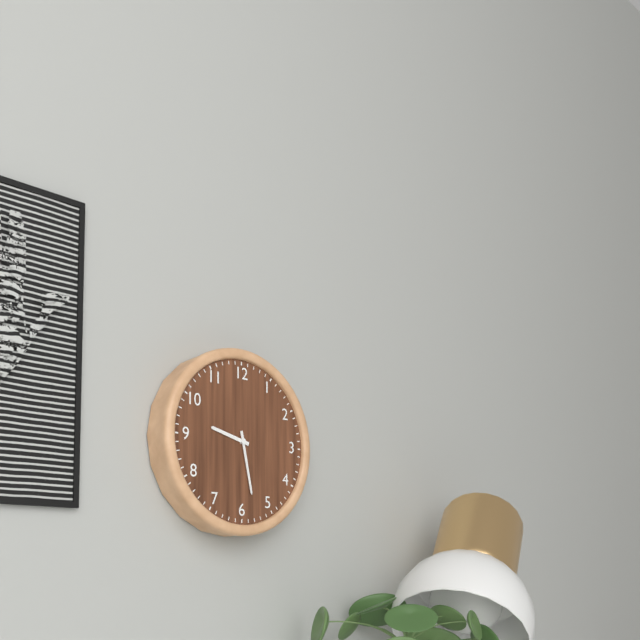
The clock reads 9:28
